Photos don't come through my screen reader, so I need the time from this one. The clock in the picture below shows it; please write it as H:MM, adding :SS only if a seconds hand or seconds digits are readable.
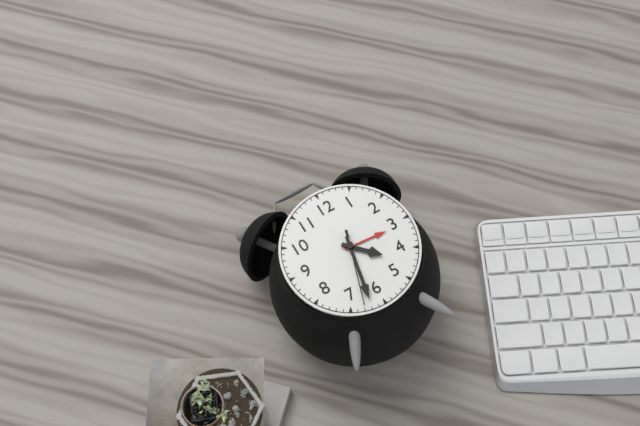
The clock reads 4:32:33
